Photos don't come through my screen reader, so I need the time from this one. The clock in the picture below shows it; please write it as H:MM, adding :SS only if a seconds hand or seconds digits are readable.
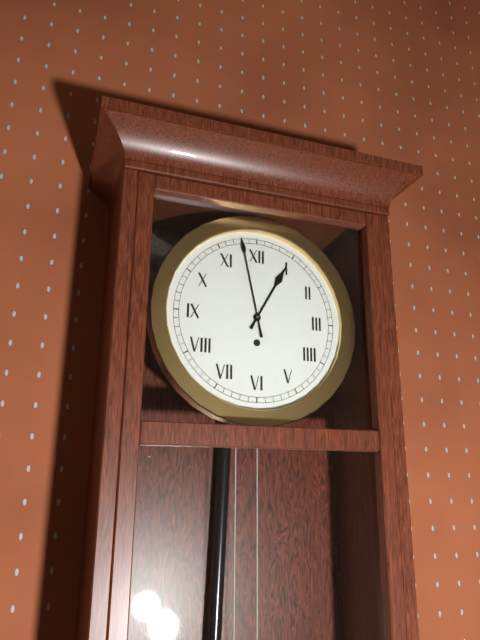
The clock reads 12:58
